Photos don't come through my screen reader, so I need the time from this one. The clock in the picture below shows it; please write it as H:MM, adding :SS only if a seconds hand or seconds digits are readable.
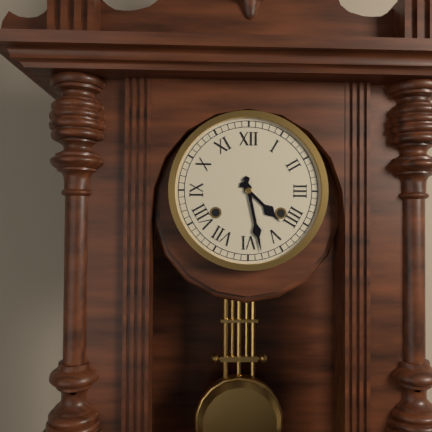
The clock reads 4:28
